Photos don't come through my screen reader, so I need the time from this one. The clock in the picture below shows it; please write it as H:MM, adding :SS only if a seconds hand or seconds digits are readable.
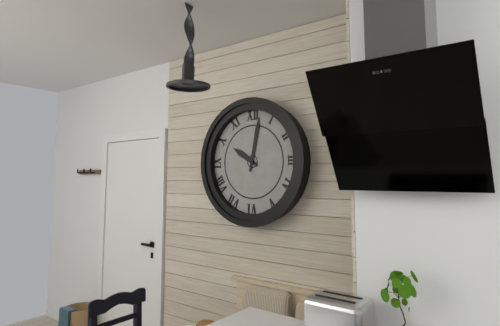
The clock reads 10:02
